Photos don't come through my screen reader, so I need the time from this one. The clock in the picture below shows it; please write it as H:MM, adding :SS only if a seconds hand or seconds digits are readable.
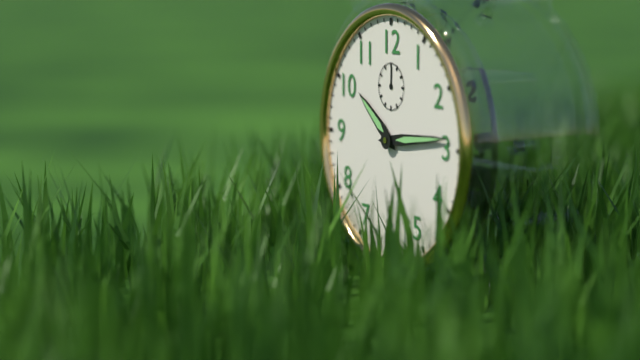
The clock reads 10:14
